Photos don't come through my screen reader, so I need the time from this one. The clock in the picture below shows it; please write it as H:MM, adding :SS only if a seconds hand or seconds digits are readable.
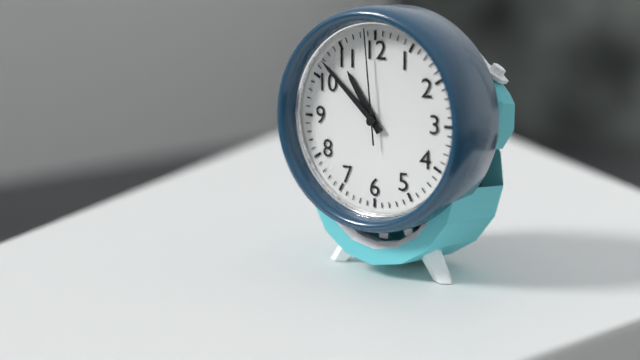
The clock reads 10:52:59
